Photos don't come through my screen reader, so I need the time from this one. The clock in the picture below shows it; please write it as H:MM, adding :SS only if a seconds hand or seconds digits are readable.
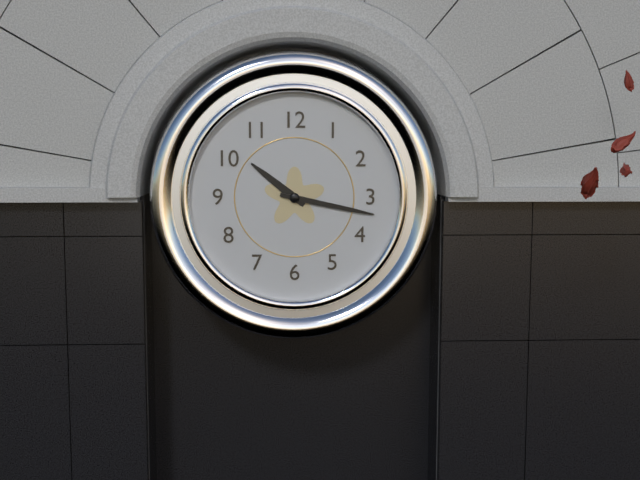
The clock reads 10:17
